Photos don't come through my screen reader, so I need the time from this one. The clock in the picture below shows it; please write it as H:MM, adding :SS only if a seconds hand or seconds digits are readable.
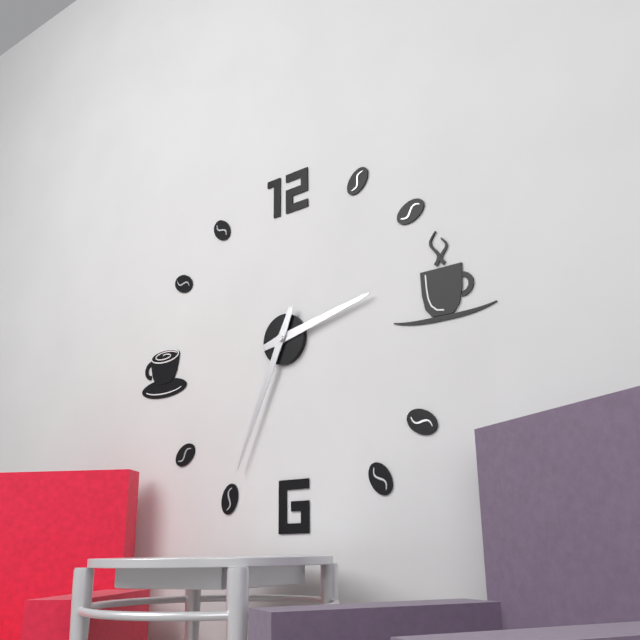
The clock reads 2:34
